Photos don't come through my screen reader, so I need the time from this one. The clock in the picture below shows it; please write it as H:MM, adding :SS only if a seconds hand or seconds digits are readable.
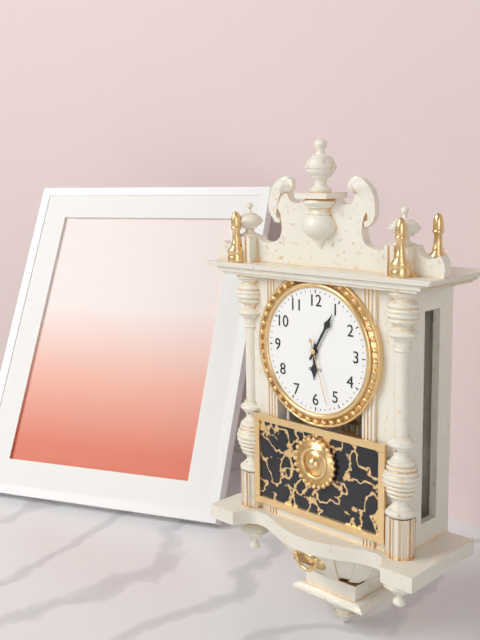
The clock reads 6:05:27
